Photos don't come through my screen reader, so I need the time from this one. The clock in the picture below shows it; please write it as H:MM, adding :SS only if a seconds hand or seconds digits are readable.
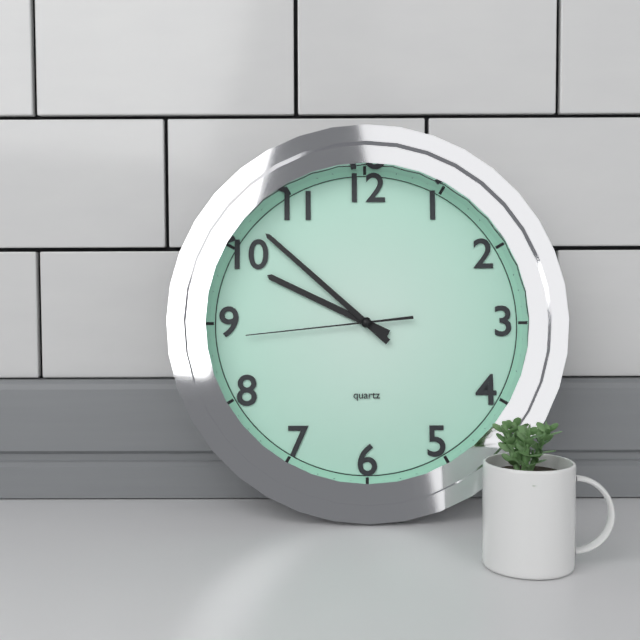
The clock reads 9:52:44
